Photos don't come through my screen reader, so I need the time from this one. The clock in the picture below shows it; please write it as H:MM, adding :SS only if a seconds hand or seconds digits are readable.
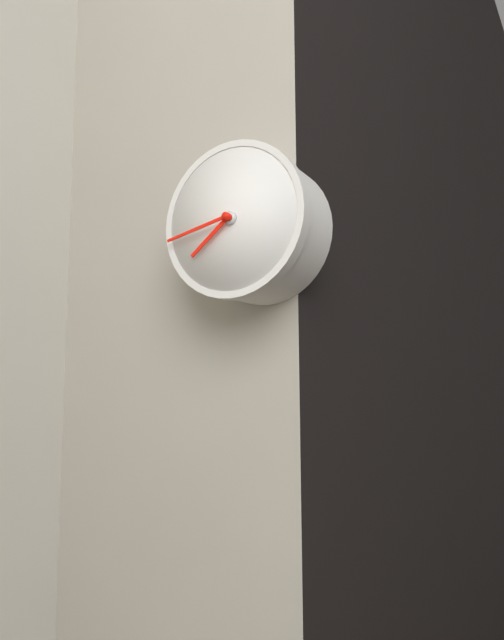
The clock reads 7:43
